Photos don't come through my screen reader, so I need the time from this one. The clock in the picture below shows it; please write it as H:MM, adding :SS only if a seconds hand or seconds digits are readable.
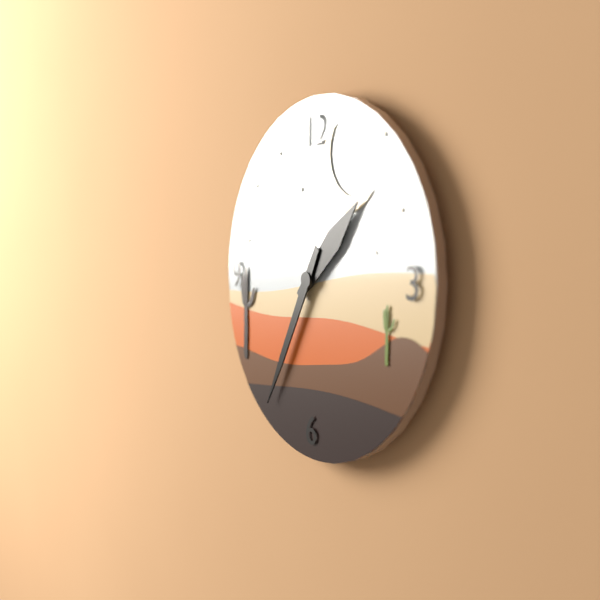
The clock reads 1:35
